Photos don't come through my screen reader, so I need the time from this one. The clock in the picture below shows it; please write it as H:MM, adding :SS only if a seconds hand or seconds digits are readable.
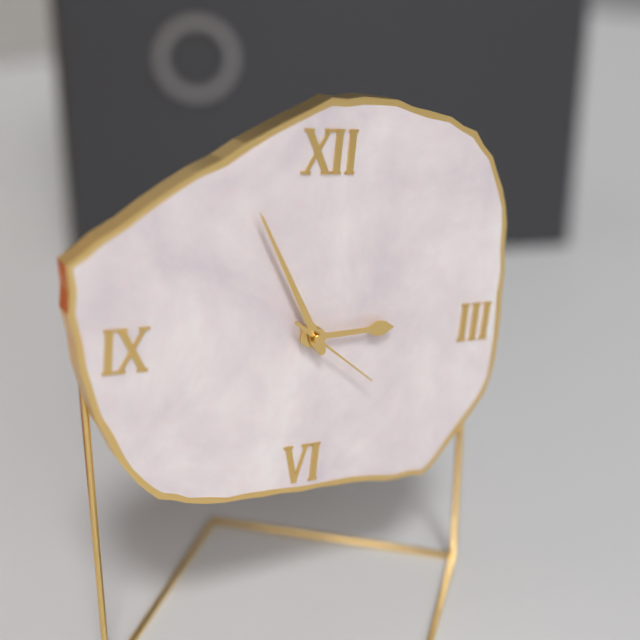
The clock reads 2:55:21
